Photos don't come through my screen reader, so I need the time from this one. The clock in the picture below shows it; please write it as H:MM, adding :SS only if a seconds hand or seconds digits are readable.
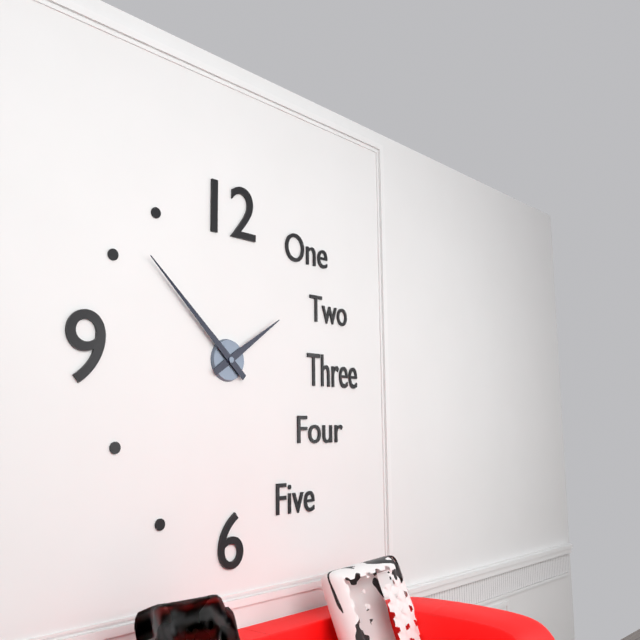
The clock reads 1:52
